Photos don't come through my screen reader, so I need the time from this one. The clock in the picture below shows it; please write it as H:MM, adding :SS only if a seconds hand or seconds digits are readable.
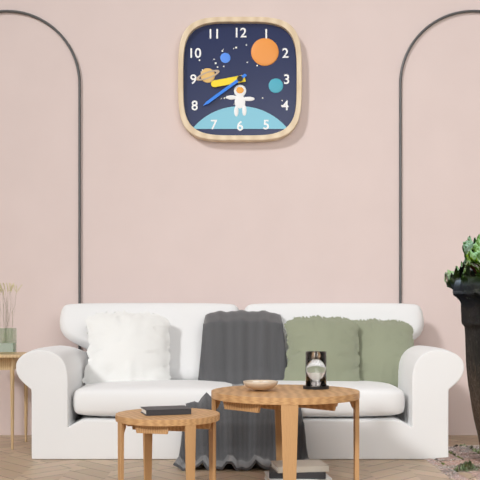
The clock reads 8:39
